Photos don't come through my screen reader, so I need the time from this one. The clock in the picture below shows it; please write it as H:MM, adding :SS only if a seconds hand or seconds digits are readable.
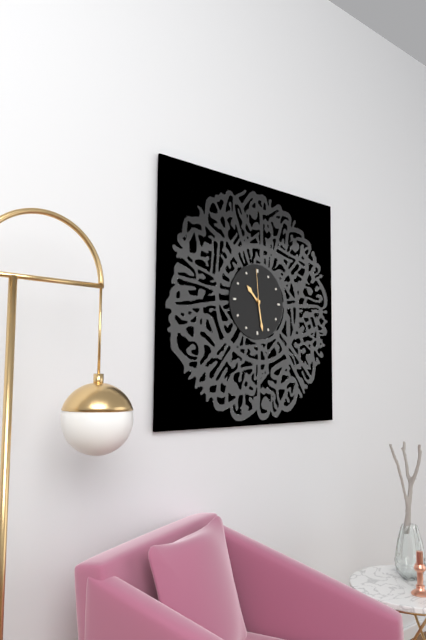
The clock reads 10:28
